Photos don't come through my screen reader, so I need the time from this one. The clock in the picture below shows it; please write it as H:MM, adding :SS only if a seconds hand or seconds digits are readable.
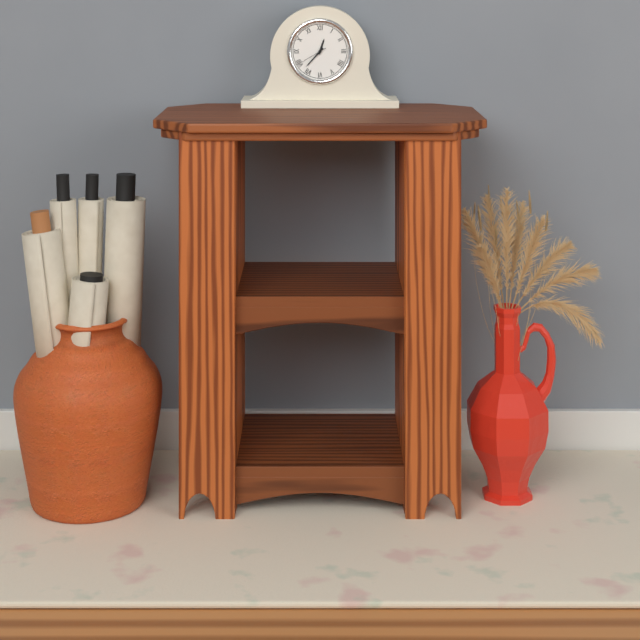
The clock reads 12:37
